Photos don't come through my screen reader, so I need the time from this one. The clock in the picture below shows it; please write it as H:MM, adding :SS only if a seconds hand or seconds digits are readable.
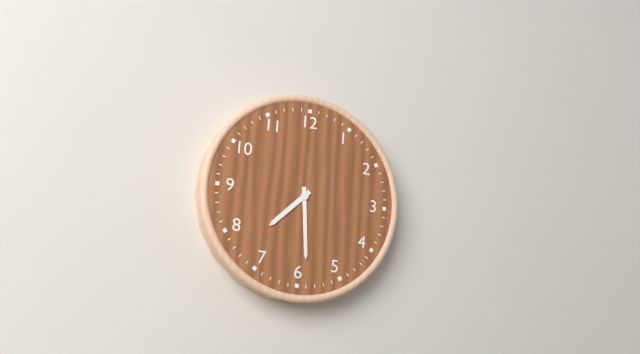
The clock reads 7:29
